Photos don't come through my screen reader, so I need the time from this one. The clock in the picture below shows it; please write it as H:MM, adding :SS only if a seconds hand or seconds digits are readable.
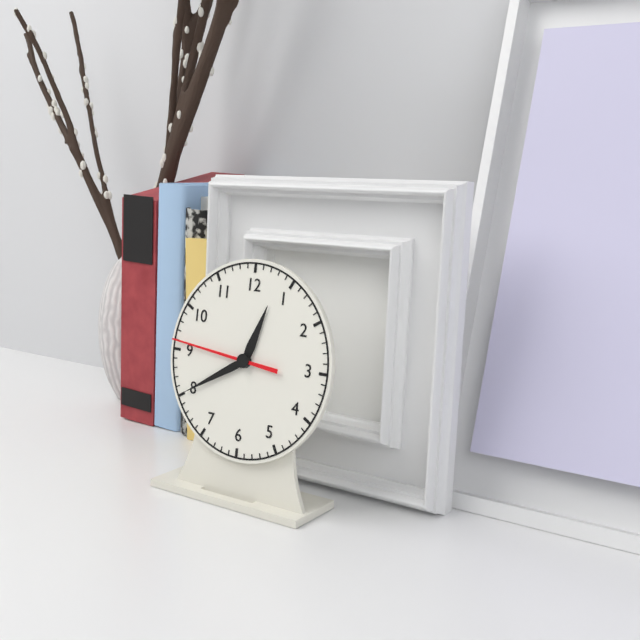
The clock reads 12:40:46
